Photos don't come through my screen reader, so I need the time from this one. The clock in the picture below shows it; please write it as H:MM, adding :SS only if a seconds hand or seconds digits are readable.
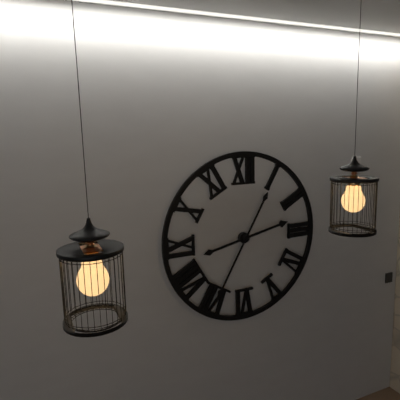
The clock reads 2:35
